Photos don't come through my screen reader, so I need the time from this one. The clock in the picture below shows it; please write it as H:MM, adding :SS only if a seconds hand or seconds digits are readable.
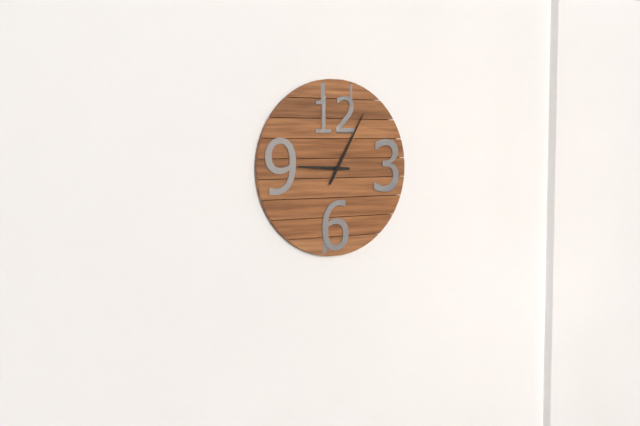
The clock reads 9:05
